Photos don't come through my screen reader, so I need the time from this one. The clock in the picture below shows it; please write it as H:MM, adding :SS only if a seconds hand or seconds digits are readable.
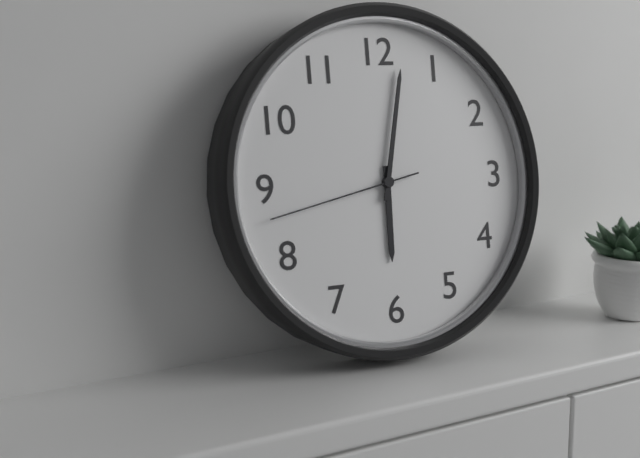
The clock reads 6:02:43
